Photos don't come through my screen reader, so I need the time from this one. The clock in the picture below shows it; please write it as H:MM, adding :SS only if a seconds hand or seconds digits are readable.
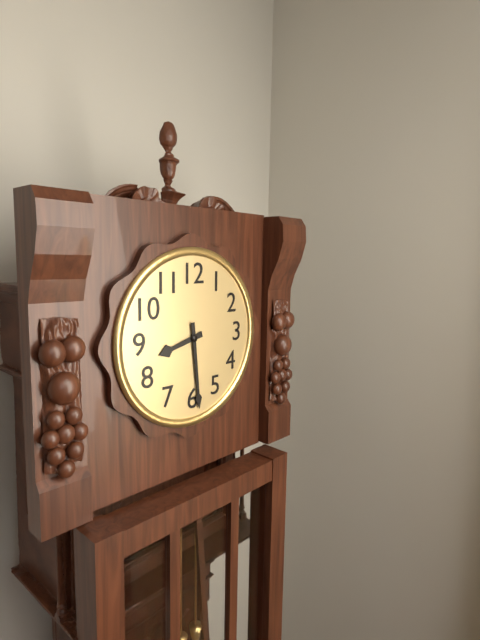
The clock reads 8:29
